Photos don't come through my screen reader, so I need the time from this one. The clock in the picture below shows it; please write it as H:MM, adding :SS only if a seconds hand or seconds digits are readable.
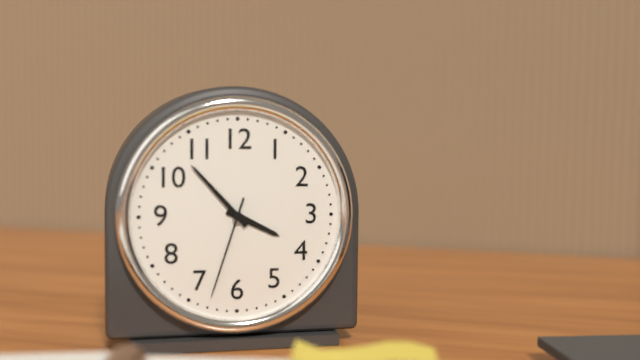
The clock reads 3:53:33
